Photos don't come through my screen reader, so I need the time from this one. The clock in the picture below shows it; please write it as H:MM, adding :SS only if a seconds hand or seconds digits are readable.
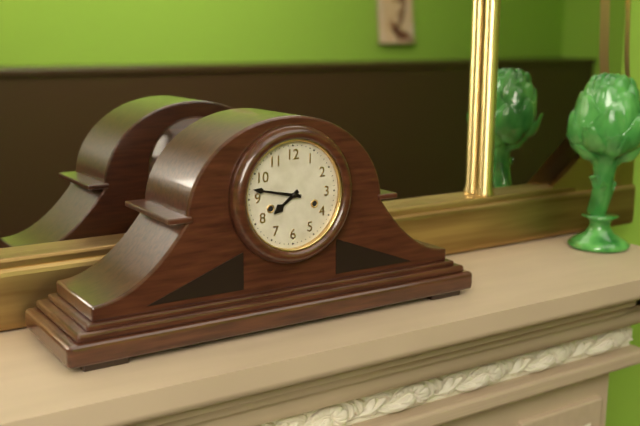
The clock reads 7:47
